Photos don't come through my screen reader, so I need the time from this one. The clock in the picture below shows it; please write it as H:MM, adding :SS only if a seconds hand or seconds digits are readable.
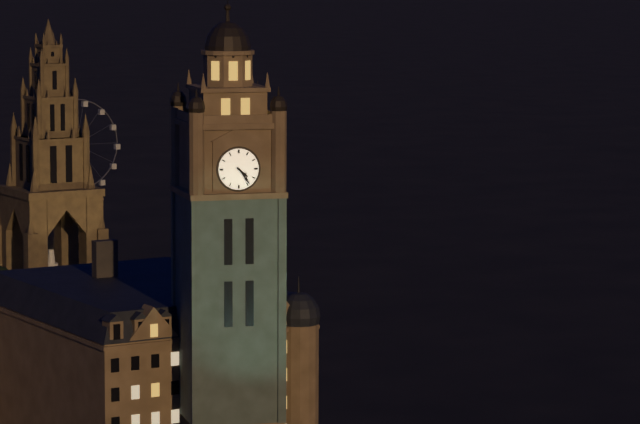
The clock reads 4:24
